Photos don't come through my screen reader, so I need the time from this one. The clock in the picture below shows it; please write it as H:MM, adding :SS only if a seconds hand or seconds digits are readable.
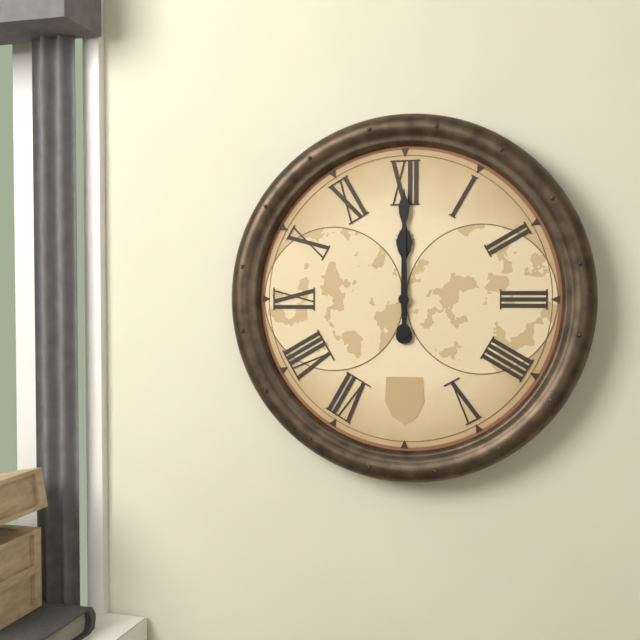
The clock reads 12:00
